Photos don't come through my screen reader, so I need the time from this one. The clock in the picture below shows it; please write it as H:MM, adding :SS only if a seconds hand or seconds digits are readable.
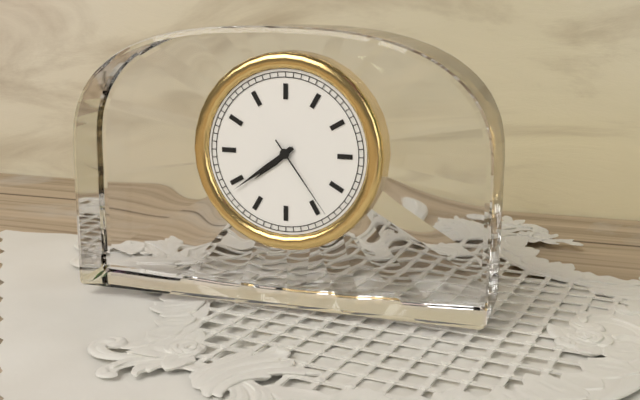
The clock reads 7:39:24
